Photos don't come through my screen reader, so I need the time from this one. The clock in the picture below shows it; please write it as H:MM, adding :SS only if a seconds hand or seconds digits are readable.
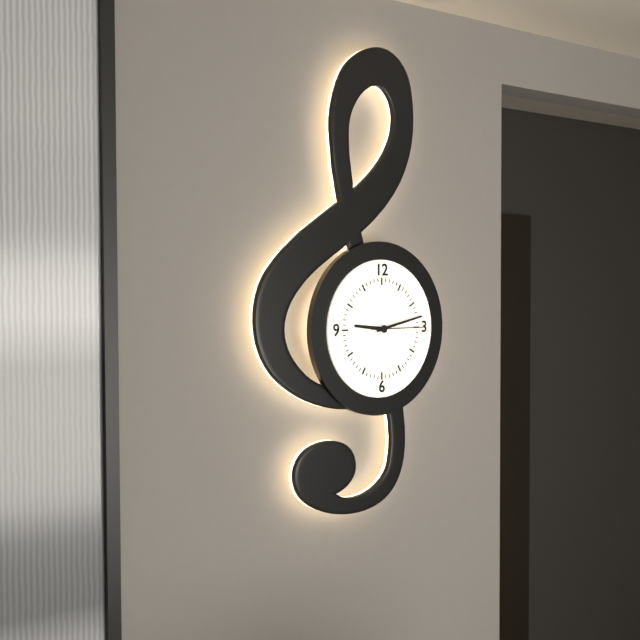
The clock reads 9:13:15
